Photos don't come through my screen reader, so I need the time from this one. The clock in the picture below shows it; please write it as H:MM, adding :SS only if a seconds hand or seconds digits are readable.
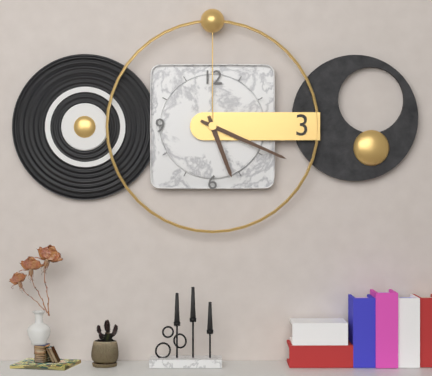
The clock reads 5:19
